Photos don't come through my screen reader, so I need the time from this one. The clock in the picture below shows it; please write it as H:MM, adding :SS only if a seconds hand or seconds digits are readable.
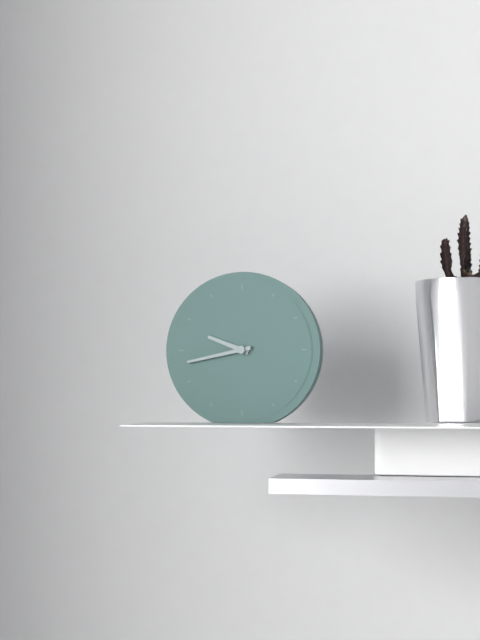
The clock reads 9:43
